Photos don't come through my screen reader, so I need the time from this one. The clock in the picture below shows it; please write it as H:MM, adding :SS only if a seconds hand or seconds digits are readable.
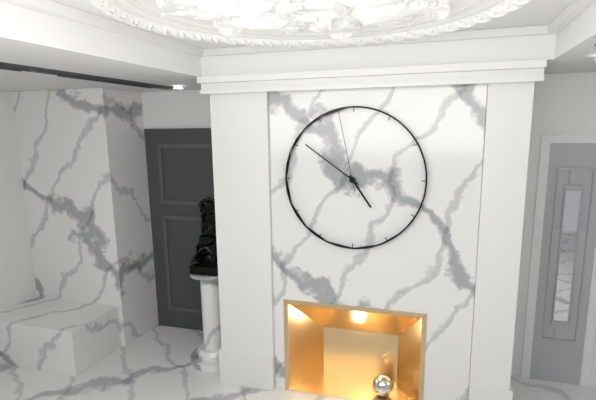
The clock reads 4:51:58
